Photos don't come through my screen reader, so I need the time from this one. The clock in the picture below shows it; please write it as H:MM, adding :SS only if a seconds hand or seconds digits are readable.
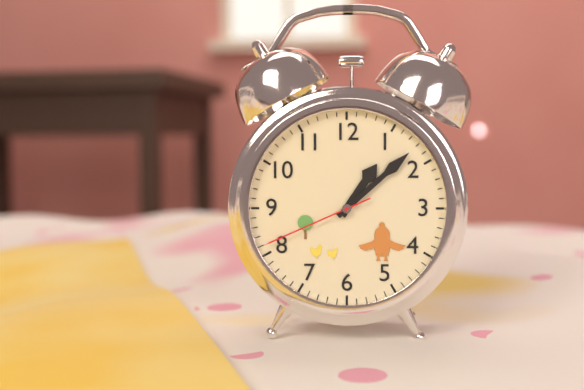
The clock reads 1:08:41
